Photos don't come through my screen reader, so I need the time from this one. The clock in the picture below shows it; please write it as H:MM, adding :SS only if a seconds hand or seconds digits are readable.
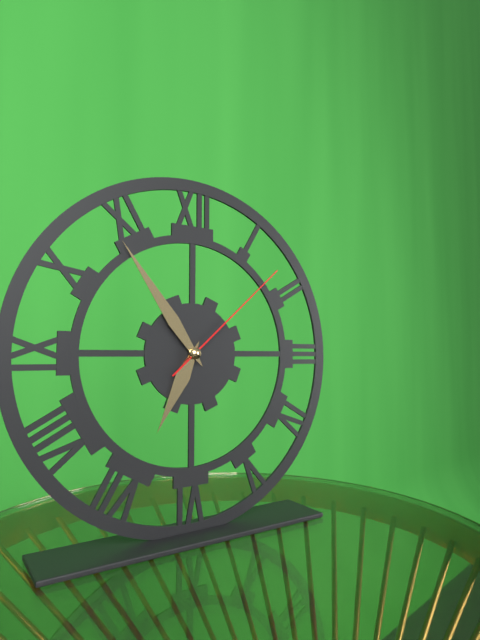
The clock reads 6:54:08
